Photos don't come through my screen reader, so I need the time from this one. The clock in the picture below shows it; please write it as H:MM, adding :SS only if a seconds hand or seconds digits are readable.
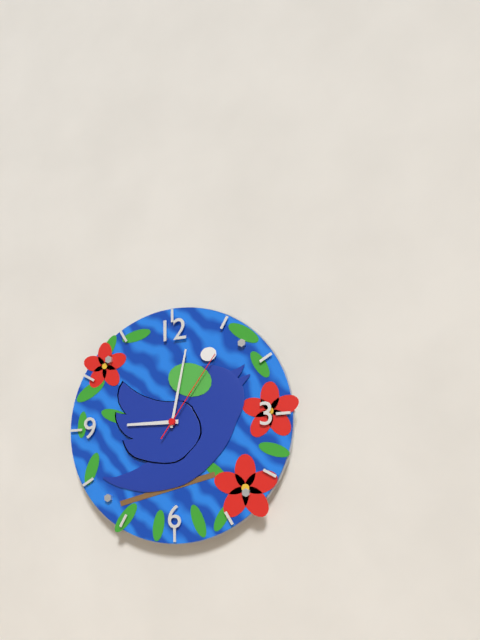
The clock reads 9:02:06
